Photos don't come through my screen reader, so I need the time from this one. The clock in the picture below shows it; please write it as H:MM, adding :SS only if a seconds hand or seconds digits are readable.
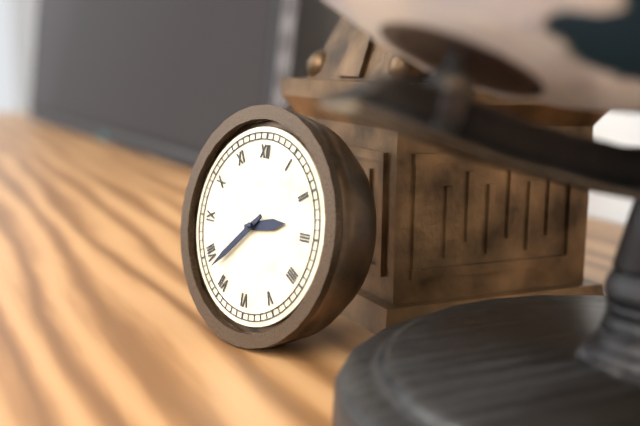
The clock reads 2:38
